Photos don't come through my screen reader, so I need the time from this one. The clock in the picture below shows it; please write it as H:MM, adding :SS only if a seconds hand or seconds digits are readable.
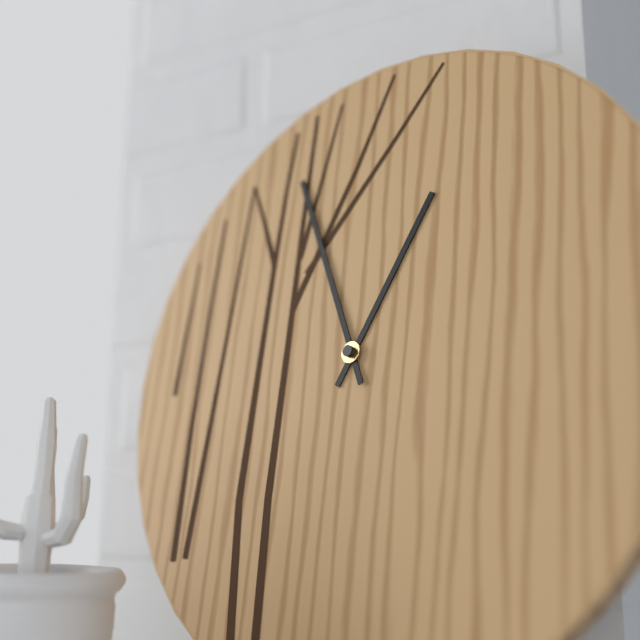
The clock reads 12:56
